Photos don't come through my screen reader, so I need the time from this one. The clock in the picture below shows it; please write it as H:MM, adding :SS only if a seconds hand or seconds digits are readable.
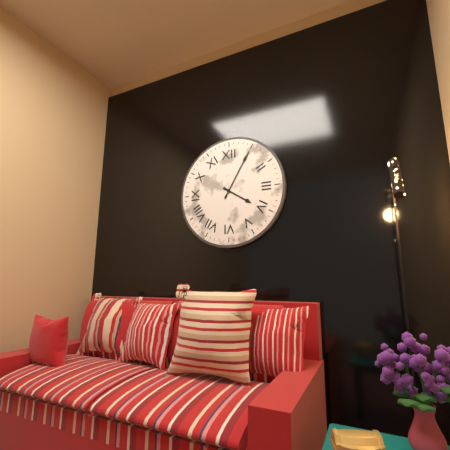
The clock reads 4:05
